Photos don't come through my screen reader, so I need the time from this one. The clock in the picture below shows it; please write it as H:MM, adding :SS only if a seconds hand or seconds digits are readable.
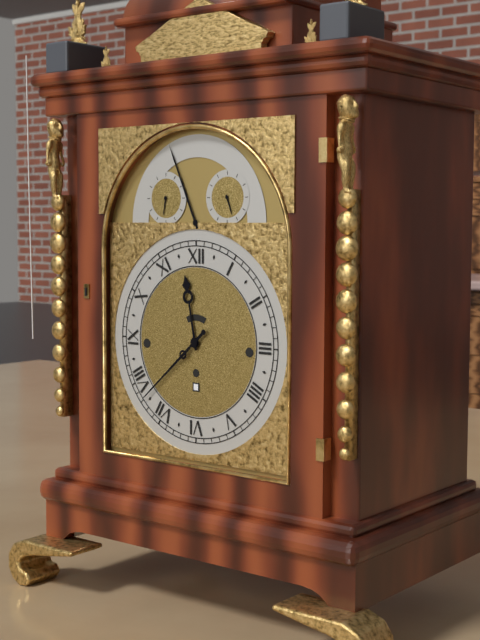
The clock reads 11:38
